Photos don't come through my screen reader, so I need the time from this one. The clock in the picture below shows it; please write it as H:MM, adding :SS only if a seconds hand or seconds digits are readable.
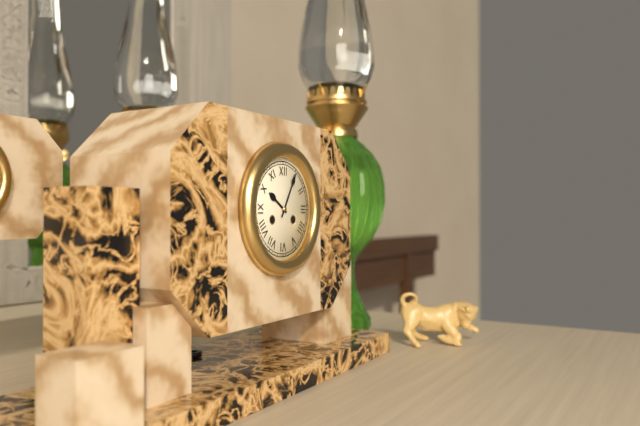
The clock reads 10:05
